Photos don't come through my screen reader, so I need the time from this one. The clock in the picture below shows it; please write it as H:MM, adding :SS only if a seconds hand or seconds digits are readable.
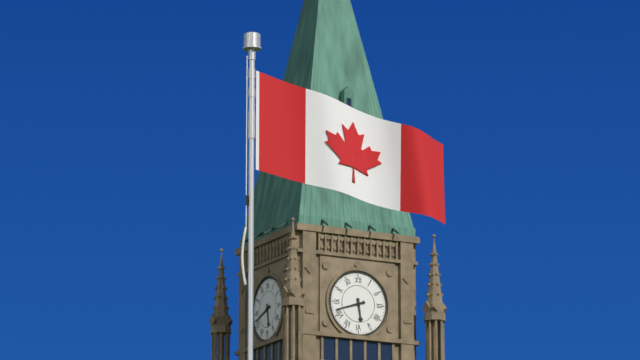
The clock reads 5:42
